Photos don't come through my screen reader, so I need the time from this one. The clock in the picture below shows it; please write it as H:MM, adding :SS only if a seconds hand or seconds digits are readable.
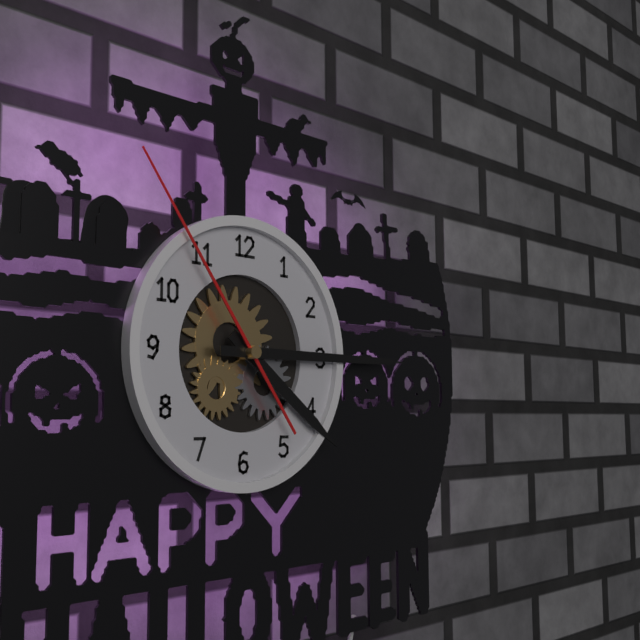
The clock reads 4:15:54
